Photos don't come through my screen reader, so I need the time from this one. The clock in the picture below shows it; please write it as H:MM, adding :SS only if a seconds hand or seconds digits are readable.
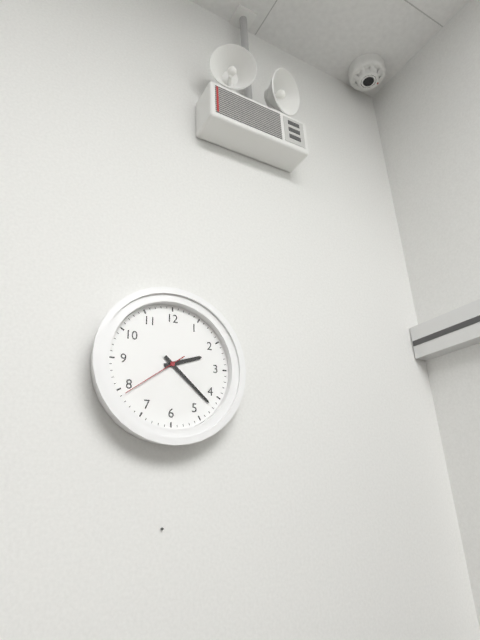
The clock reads 2:22:39
